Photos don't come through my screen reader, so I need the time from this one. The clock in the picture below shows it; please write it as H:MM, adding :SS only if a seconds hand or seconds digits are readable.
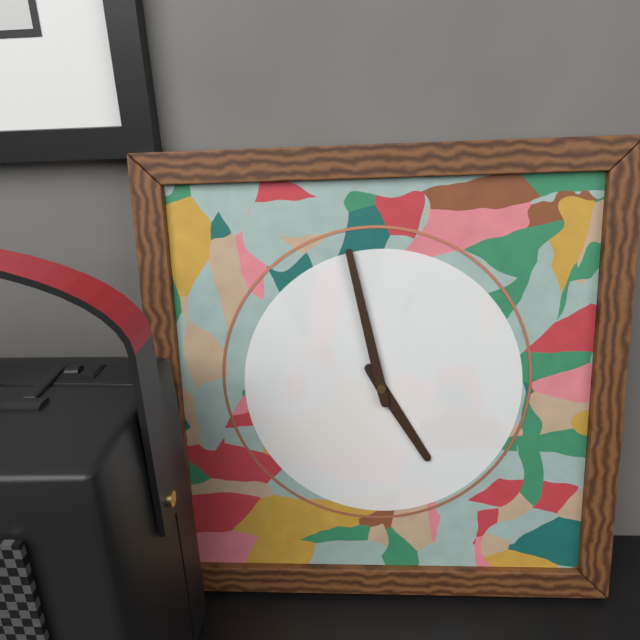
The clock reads 4:58
